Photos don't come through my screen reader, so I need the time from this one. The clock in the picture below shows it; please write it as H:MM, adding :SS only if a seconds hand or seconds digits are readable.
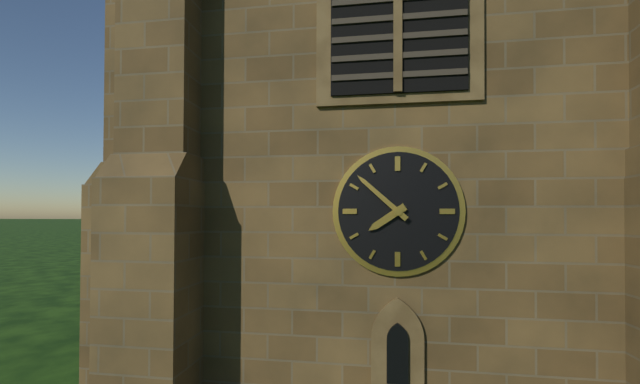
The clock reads 7:52
